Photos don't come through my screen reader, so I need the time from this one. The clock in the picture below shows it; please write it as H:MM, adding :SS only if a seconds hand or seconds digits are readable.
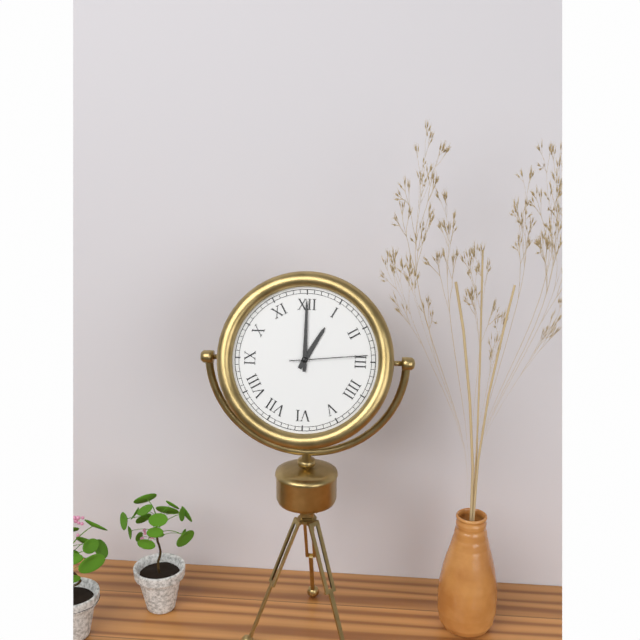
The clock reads 1:00:14
